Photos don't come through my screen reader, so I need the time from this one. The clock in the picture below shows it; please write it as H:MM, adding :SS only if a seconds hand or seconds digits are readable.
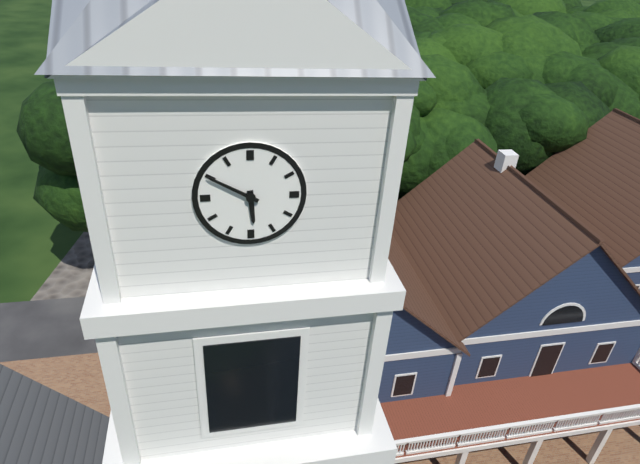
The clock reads 5:50
